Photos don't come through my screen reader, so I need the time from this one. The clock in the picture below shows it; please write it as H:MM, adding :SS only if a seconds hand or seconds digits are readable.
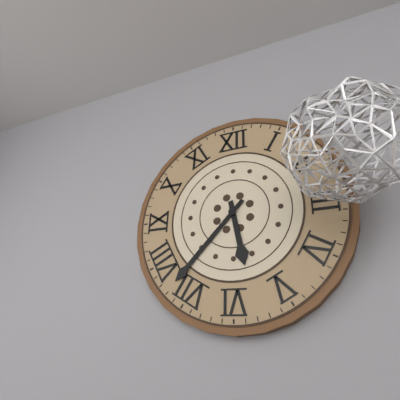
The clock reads 5:37
